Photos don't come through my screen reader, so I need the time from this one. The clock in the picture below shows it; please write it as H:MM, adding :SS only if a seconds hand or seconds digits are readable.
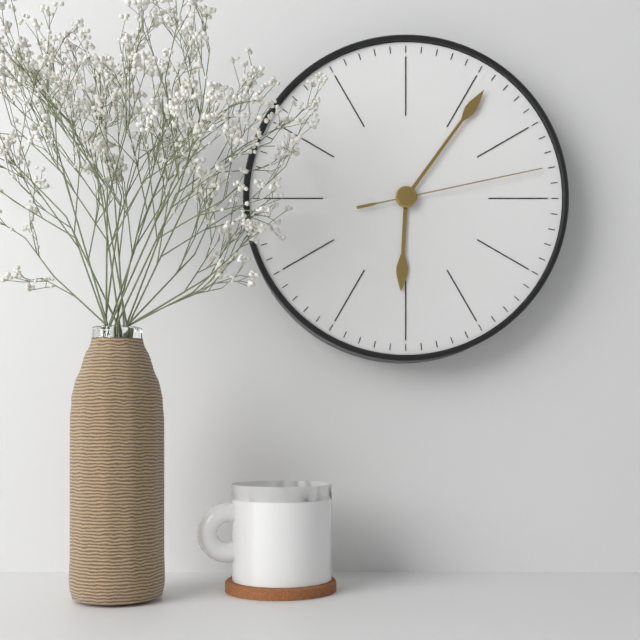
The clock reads 6:06:13
